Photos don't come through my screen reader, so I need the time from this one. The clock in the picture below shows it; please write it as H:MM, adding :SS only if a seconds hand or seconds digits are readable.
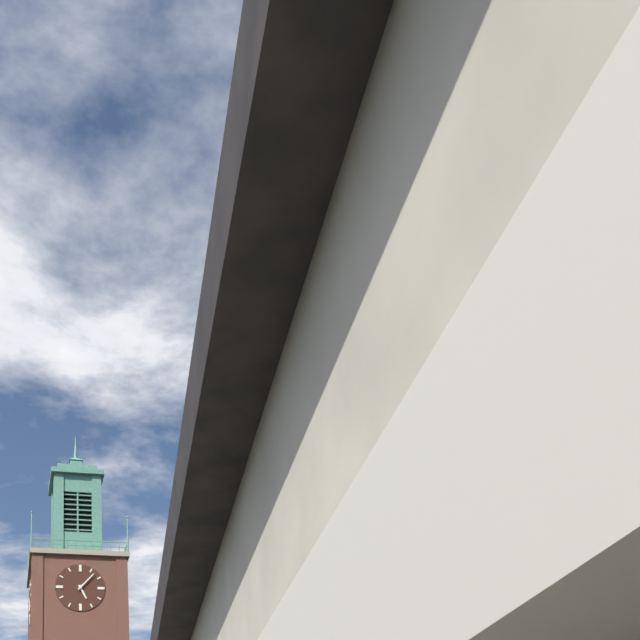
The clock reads 5:07
